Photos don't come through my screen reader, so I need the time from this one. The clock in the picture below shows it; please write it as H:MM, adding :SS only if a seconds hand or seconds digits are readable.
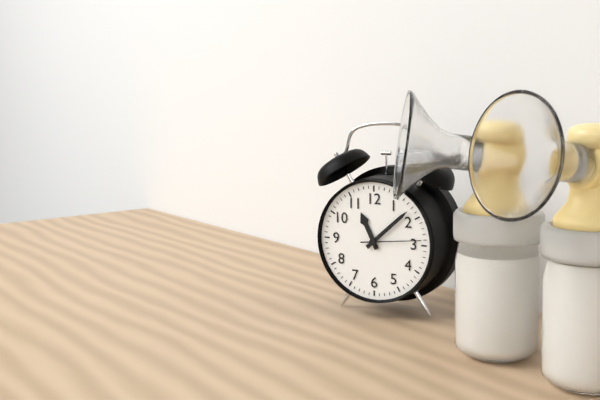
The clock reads 11:08:14
